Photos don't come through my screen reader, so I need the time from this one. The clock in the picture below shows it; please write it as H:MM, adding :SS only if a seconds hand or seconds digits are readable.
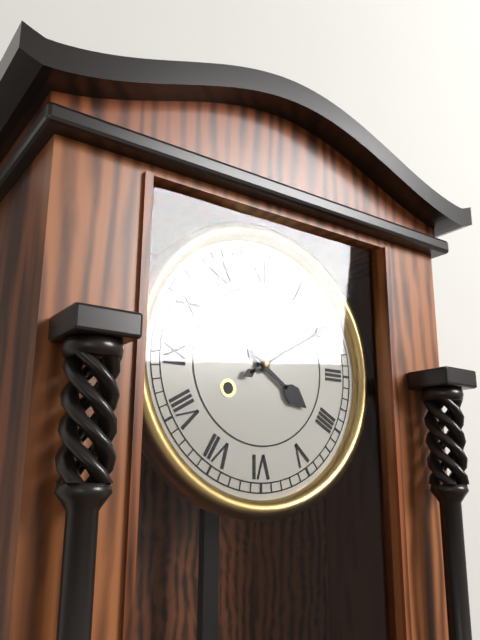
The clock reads 4:10
